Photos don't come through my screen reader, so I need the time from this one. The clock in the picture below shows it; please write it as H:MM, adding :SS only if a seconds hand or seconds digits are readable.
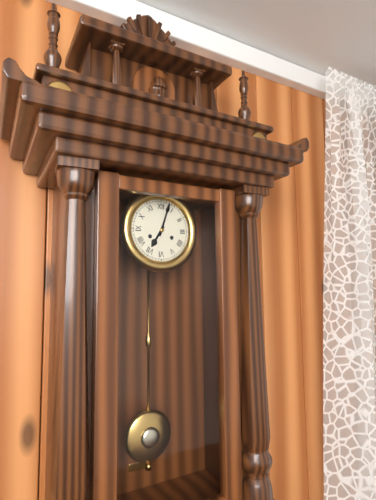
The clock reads 7:03
